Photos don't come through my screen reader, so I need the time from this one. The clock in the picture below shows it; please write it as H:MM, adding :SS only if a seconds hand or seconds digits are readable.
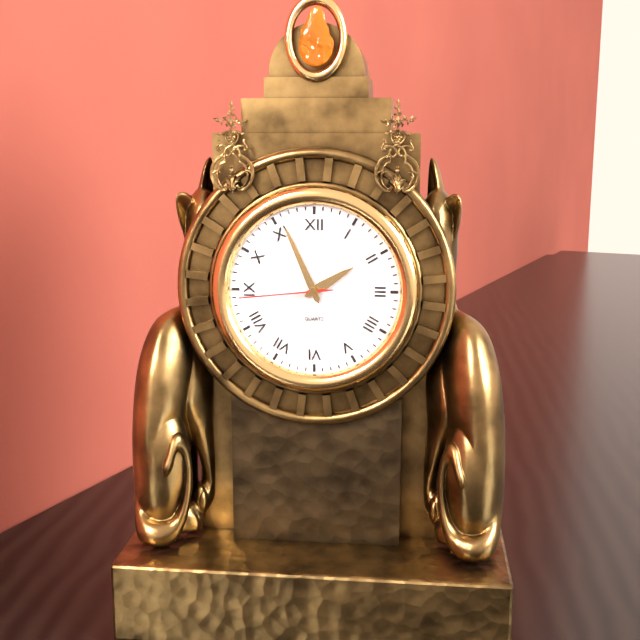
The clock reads 1:56:44
